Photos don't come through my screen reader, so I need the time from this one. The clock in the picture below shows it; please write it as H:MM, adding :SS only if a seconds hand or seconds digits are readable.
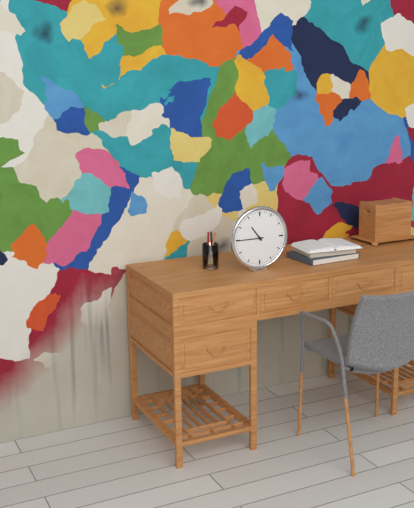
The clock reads 10:45
